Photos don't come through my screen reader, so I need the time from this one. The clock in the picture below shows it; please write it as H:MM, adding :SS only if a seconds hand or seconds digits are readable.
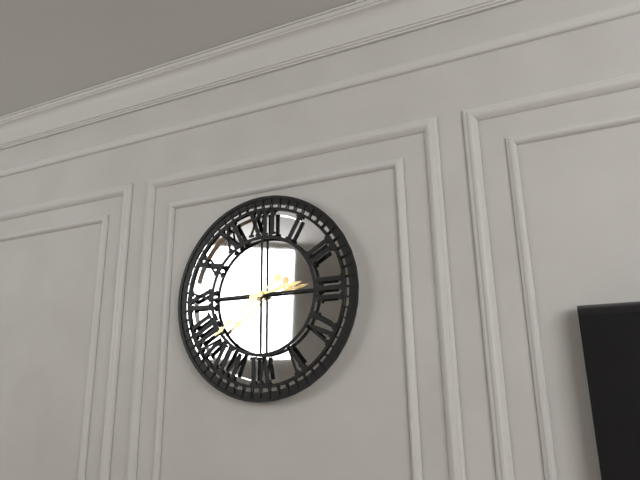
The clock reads 2:39
